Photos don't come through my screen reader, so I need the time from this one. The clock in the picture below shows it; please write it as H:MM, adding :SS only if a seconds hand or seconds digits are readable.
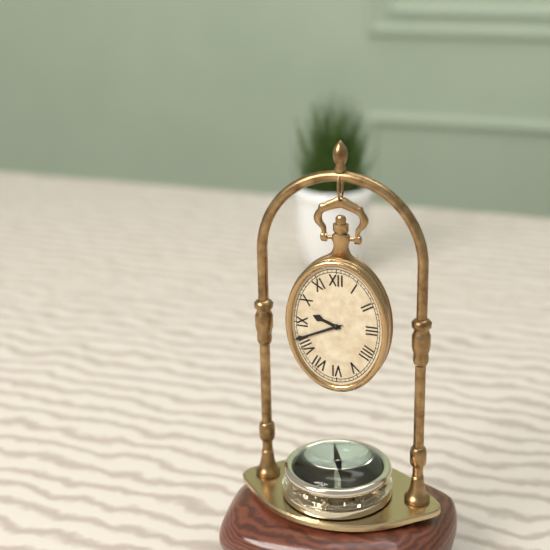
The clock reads 9:41
